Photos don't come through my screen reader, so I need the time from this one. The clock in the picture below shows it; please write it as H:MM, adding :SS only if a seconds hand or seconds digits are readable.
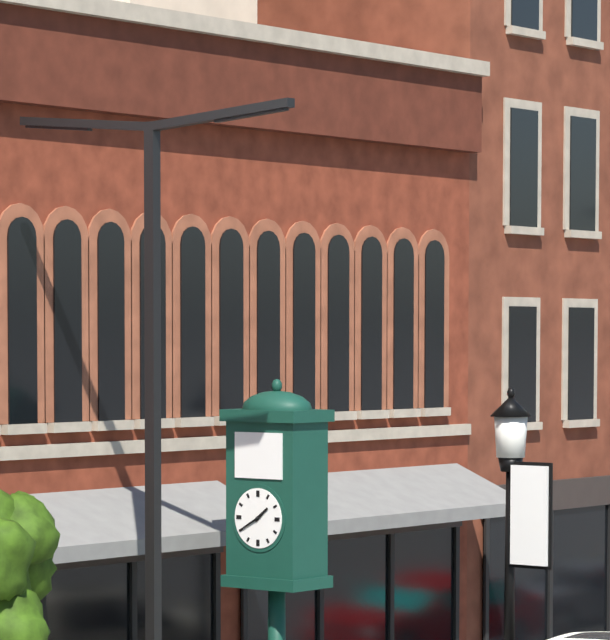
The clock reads 1:40
